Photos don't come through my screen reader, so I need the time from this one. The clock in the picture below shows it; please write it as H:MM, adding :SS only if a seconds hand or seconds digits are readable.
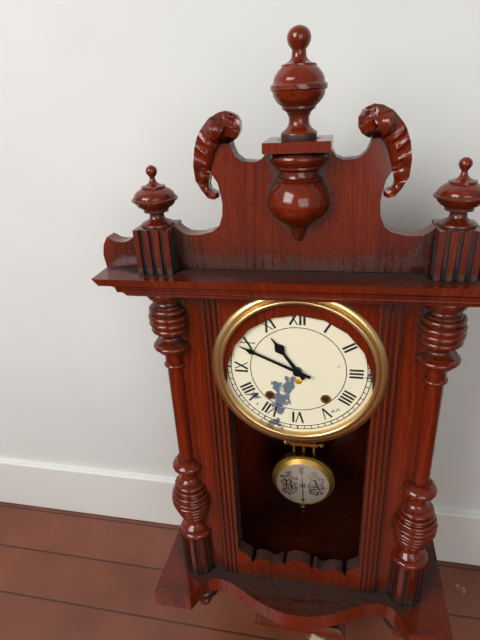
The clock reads 10:49
